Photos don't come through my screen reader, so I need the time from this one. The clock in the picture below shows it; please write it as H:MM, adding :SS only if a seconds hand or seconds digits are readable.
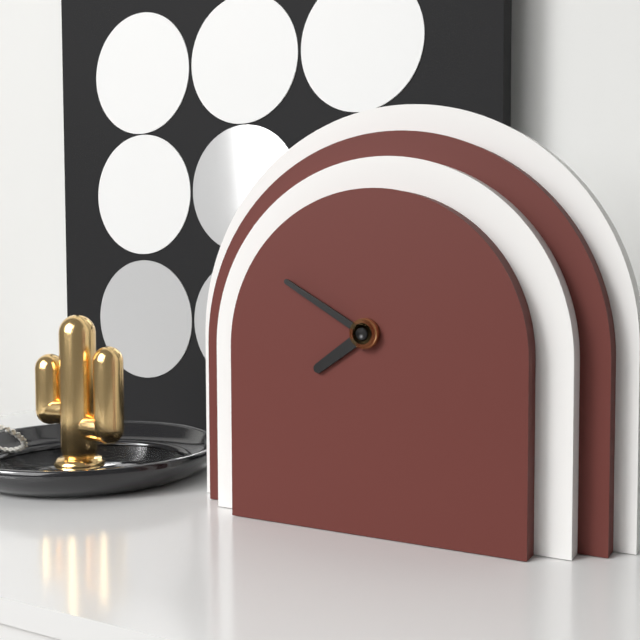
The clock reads 7:50
